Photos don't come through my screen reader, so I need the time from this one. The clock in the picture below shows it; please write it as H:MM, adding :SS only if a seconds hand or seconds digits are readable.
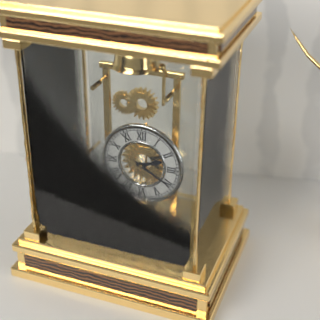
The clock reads 2:20
